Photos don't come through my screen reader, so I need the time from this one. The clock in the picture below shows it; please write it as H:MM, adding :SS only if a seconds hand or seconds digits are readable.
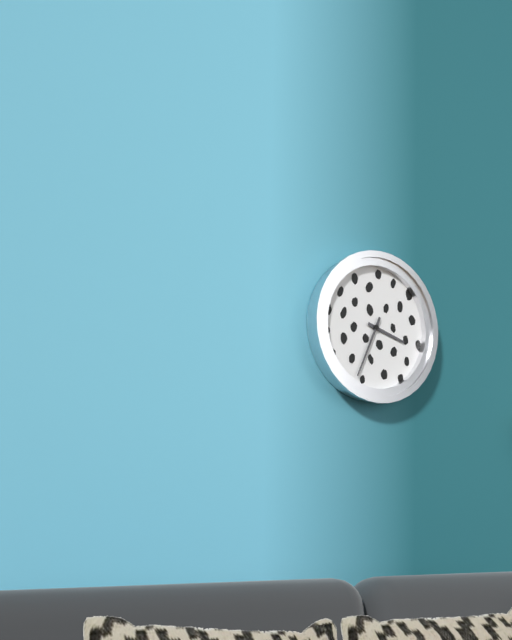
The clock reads 3:34
